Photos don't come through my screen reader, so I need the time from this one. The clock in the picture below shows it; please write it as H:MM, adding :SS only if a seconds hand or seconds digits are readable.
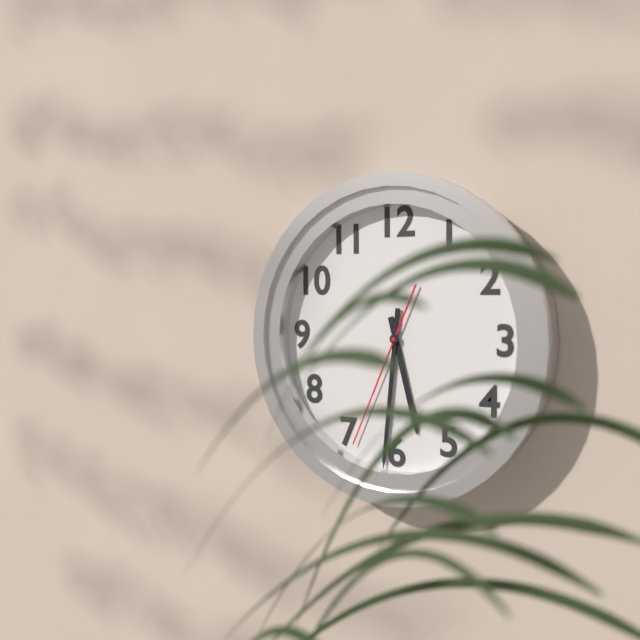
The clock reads 5:31:34
